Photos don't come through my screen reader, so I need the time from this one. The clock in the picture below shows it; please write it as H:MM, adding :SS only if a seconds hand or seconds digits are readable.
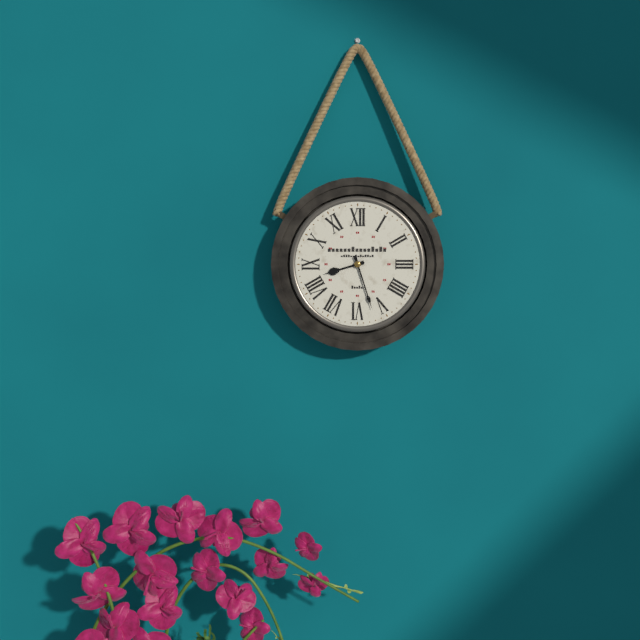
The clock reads 8:27
